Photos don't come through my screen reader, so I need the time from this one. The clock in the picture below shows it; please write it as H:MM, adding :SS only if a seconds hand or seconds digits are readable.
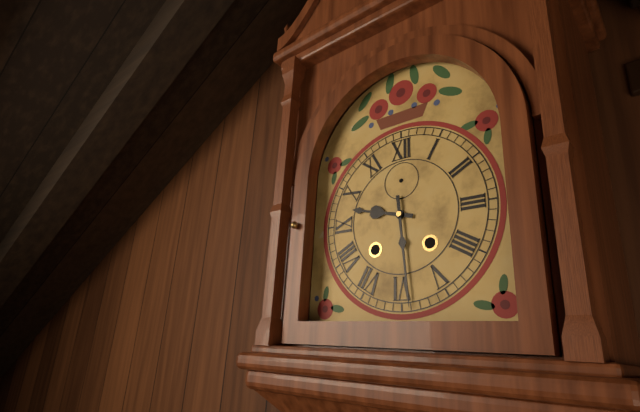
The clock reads 9:29
